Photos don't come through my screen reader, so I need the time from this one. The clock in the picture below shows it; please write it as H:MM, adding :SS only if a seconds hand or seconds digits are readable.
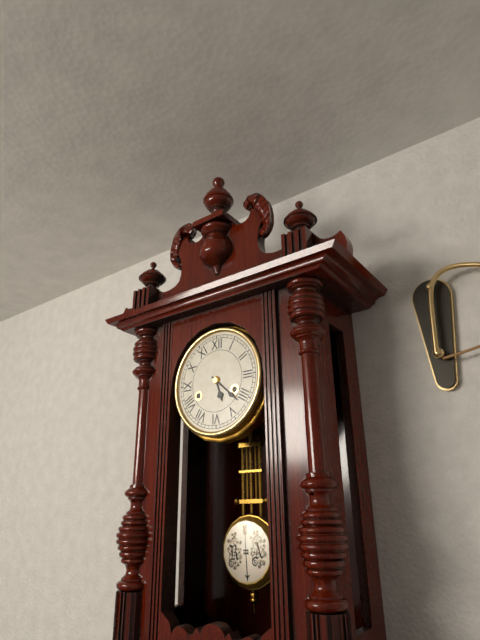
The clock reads 5:22
